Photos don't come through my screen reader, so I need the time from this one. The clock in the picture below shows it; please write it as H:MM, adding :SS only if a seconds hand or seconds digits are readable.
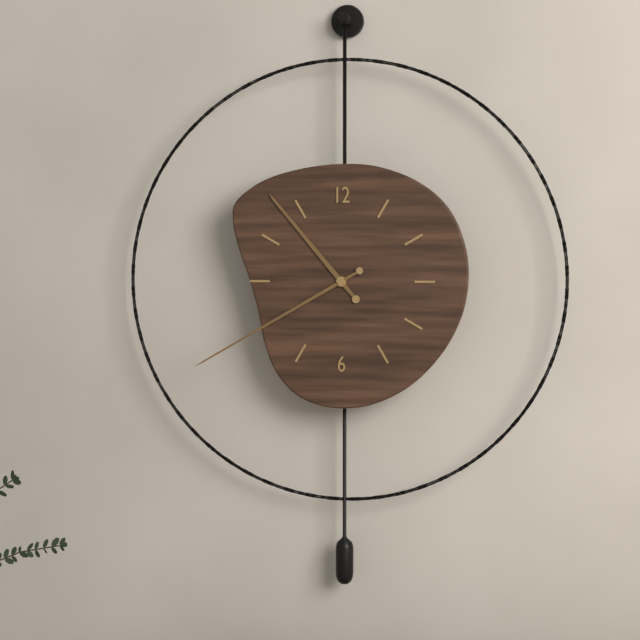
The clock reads 10:40
